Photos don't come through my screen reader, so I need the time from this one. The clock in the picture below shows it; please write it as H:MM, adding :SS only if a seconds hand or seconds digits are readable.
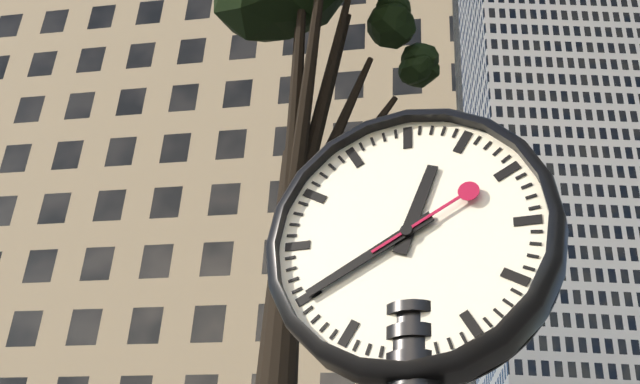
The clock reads 12:40:10
